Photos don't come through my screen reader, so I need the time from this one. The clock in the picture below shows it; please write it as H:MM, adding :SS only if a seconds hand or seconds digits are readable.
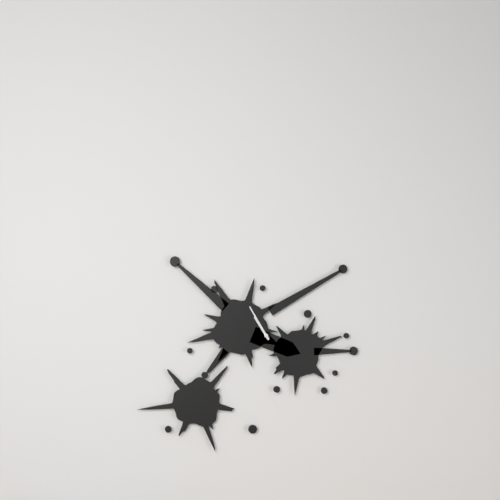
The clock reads 10:55
